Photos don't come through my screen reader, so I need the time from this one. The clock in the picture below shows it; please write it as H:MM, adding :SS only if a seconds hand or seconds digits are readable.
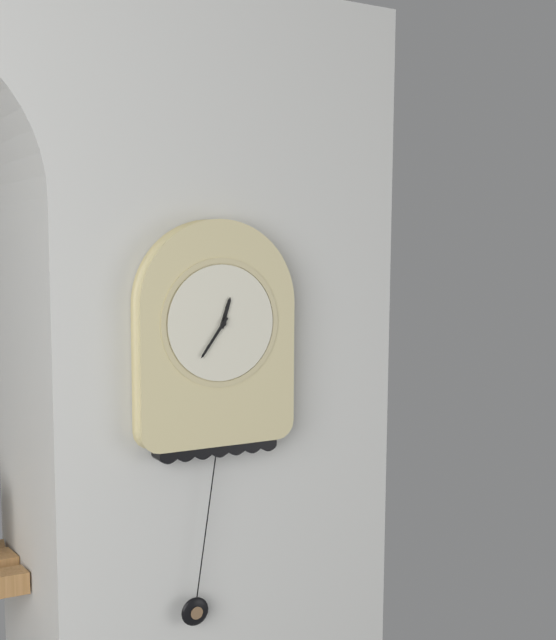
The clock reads 12:36
